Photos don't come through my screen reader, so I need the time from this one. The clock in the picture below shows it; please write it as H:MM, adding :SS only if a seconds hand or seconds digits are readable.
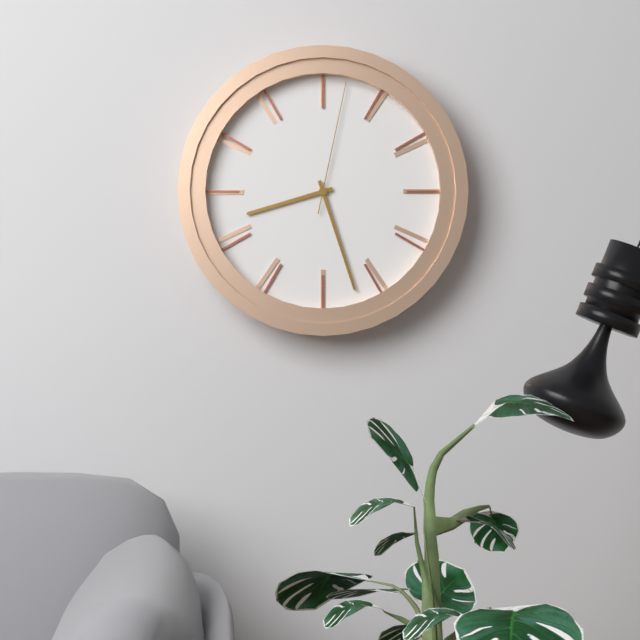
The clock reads 8:27:02
